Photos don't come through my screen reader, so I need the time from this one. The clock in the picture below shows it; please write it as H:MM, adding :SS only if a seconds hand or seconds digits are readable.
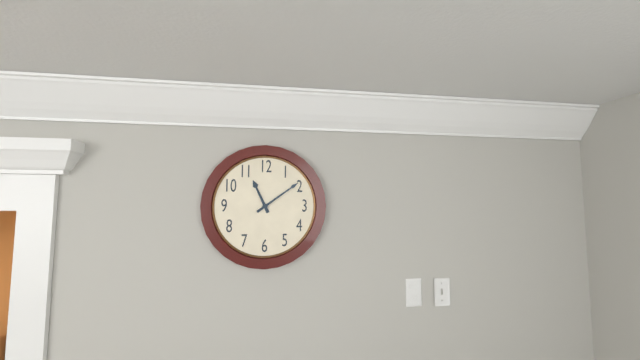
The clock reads 11:09
